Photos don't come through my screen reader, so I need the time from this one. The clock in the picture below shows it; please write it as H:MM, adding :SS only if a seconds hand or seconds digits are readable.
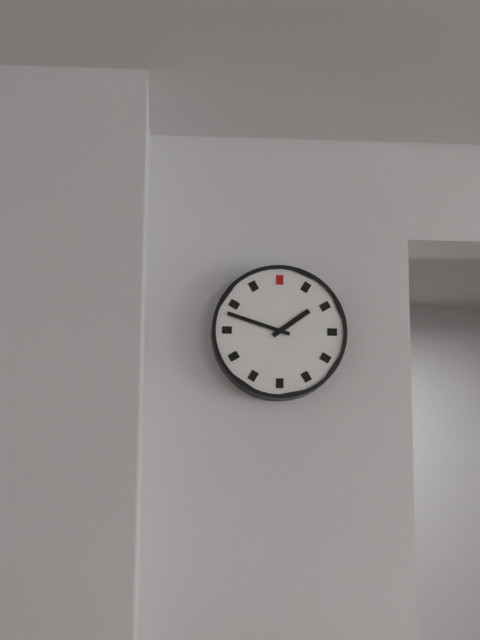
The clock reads 1:48
